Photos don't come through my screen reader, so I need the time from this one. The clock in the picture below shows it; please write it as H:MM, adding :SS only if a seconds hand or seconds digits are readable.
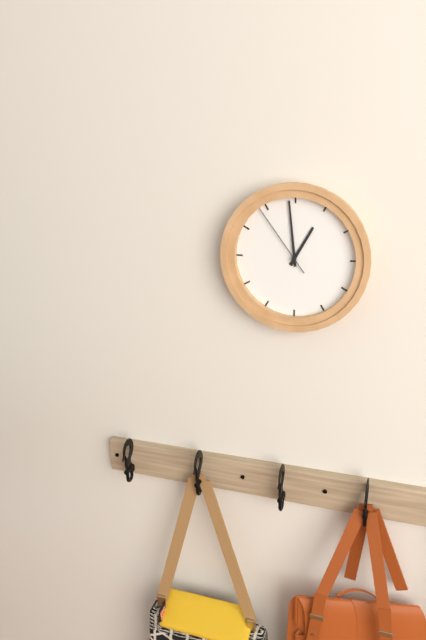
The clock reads 12:59:54
